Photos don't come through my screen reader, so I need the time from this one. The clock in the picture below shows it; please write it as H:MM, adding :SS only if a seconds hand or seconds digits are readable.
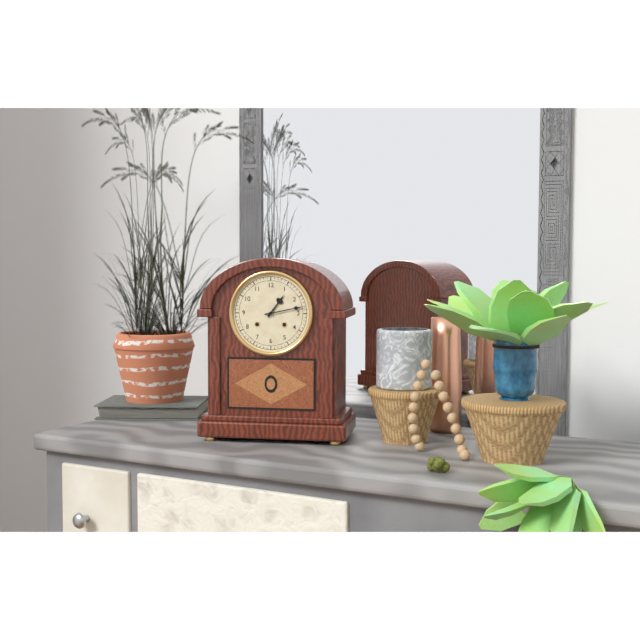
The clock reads 1:13
